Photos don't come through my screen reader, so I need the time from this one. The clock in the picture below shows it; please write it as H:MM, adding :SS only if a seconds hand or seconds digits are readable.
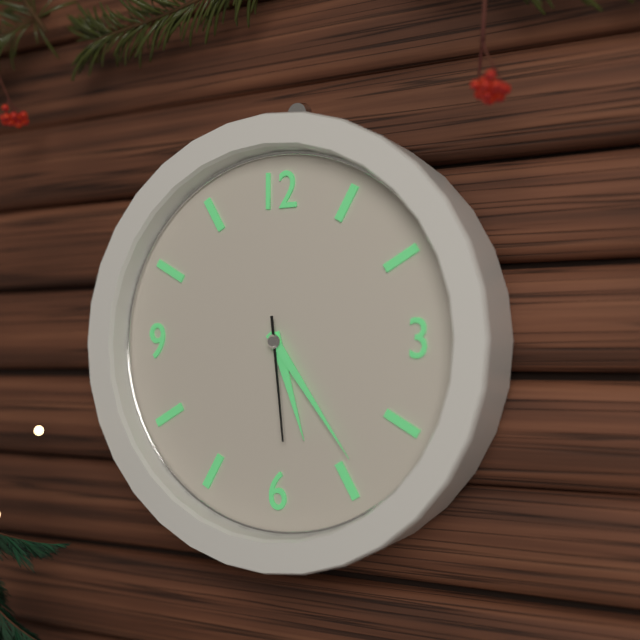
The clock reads 5:24:29
